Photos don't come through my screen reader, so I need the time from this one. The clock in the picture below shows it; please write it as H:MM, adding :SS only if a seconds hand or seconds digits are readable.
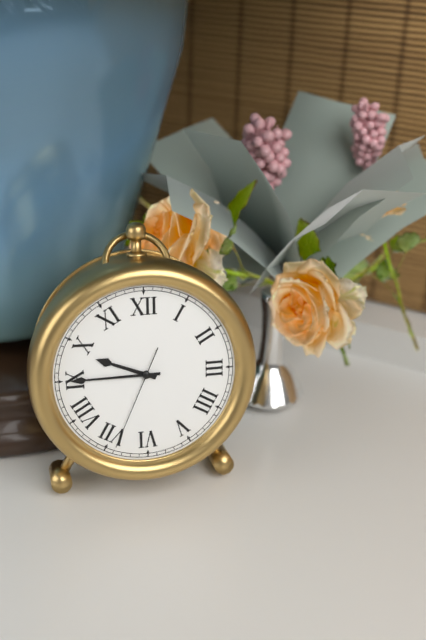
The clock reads 9:45:34
